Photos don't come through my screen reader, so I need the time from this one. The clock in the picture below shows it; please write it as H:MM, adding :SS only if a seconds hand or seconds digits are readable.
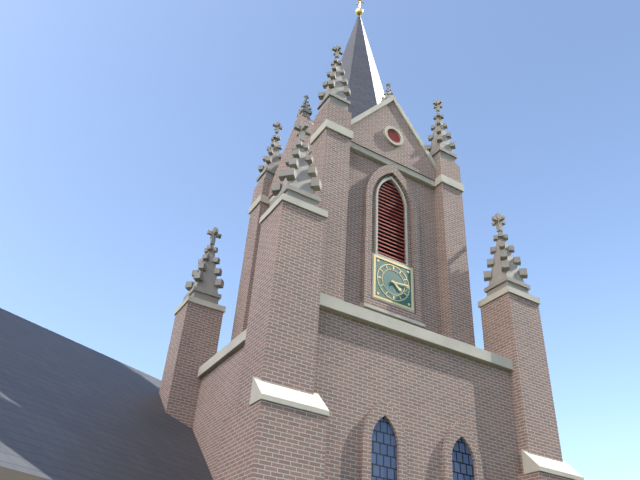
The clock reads 4:14
